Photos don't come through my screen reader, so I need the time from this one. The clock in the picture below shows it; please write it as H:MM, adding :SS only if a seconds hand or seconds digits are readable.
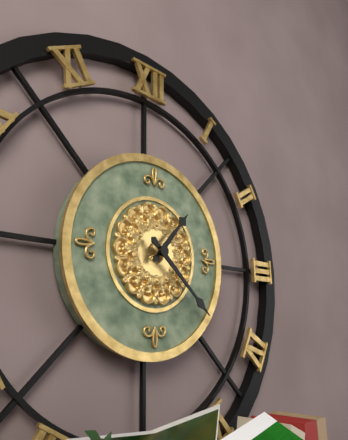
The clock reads 1:22
